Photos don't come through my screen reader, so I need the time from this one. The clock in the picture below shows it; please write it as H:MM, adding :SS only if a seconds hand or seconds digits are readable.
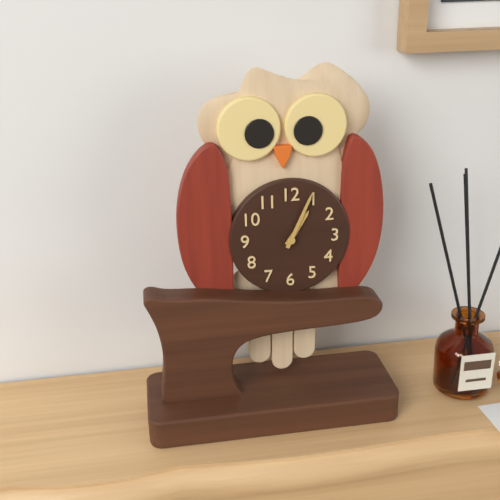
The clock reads 1:04
